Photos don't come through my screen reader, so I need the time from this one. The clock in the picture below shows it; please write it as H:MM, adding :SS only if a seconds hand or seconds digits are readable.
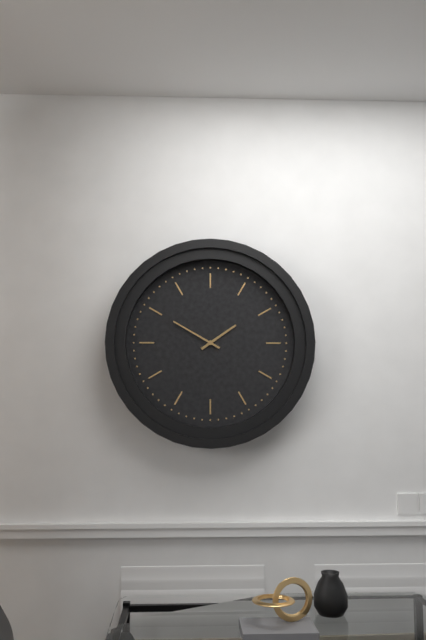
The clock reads 1:50
